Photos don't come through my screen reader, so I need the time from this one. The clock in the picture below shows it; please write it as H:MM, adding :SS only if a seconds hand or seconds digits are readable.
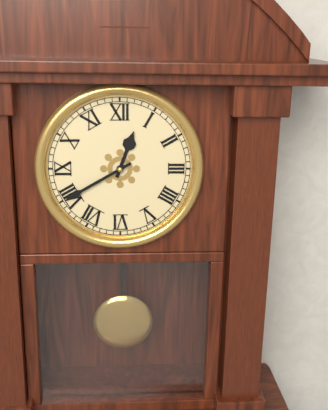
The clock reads 12:40
